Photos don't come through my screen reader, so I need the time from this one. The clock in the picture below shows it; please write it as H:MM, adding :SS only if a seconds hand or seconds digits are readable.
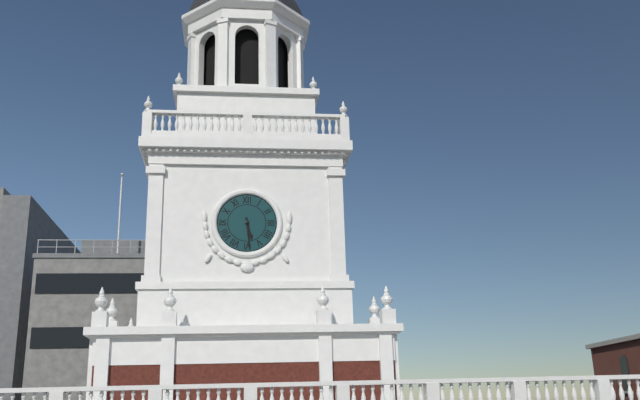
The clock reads 5:29
